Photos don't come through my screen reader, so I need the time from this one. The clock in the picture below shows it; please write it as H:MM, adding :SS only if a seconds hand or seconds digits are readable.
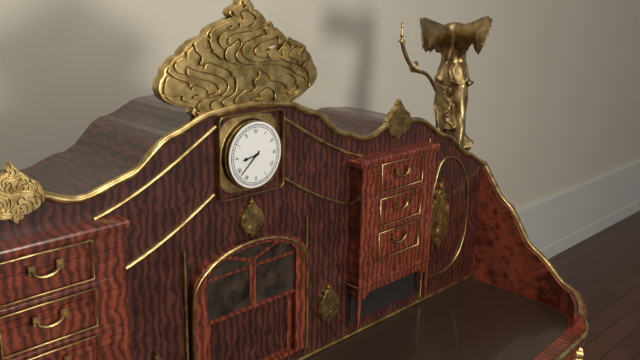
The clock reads 8:38
